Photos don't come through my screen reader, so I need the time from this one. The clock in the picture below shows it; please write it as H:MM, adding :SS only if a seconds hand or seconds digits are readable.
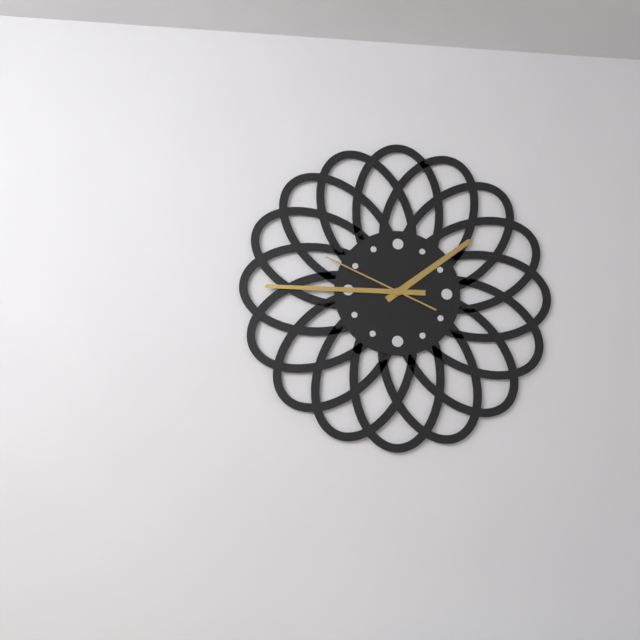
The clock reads 1:45:49
